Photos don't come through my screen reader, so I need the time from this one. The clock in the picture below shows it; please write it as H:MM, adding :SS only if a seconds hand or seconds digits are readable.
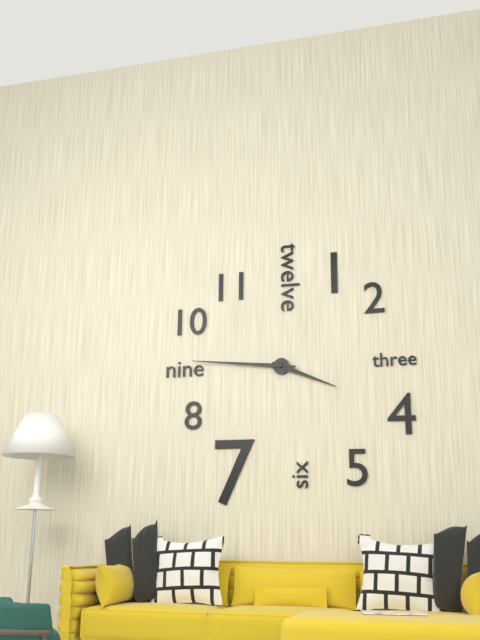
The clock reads 3:46
